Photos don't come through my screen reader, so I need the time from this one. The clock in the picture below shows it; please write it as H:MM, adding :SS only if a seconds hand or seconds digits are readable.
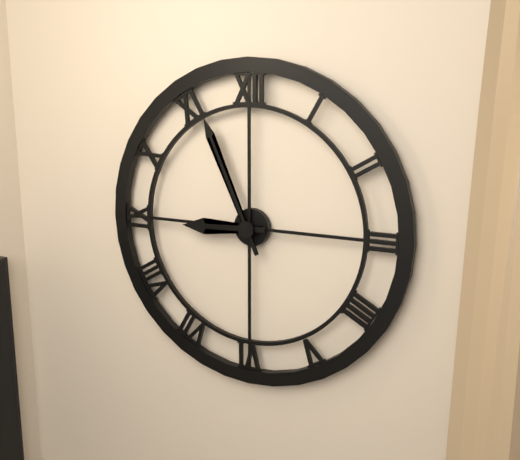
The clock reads 8:56
